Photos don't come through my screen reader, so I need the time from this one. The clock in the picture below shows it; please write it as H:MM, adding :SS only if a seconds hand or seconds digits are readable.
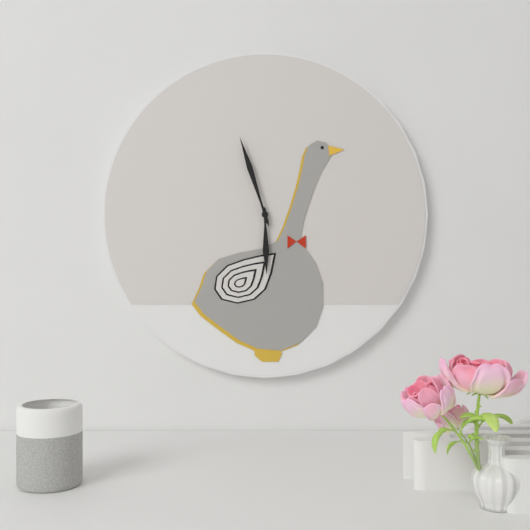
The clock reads 5:57
